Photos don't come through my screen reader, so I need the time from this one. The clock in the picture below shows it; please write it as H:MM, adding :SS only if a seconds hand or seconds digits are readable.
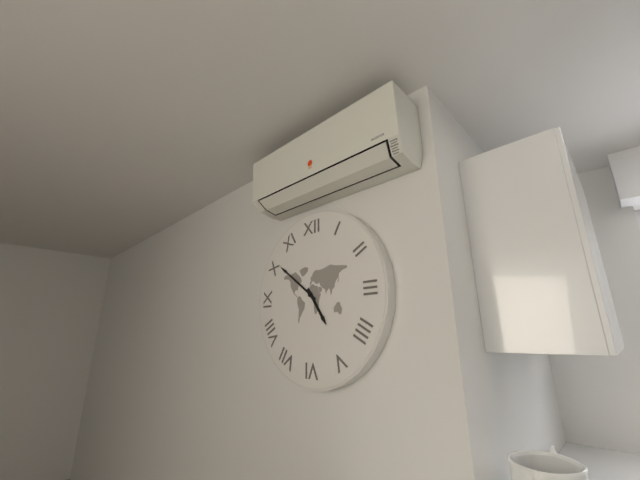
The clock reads 4:51
